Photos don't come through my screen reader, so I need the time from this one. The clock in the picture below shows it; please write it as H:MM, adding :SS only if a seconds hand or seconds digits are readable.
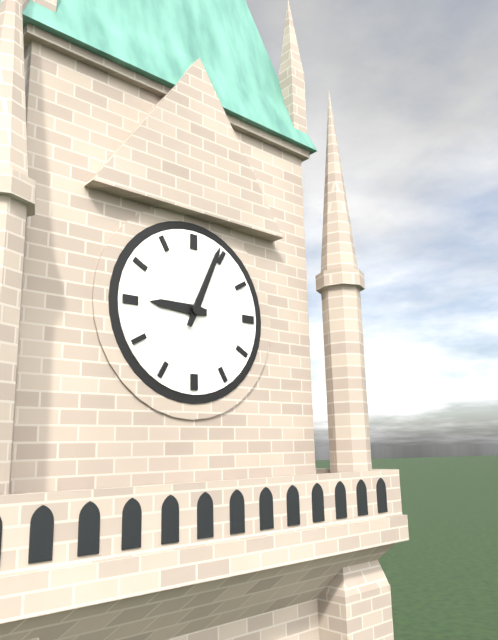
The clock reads 9:04
